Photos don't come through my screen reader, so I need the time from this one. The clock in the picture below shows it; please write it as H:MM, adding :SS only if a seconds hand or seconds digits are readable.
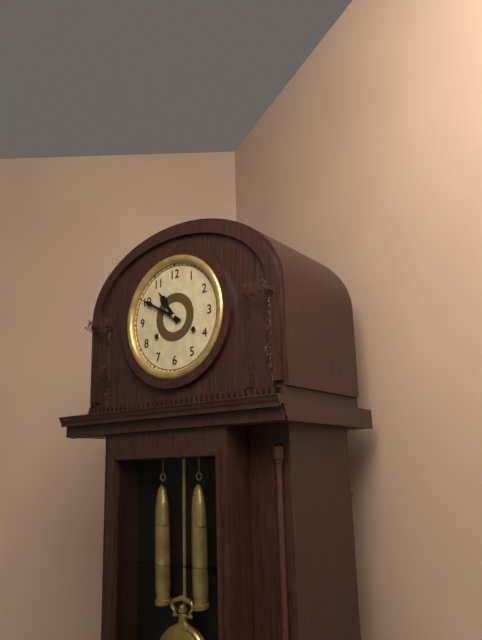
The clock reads 10:50
